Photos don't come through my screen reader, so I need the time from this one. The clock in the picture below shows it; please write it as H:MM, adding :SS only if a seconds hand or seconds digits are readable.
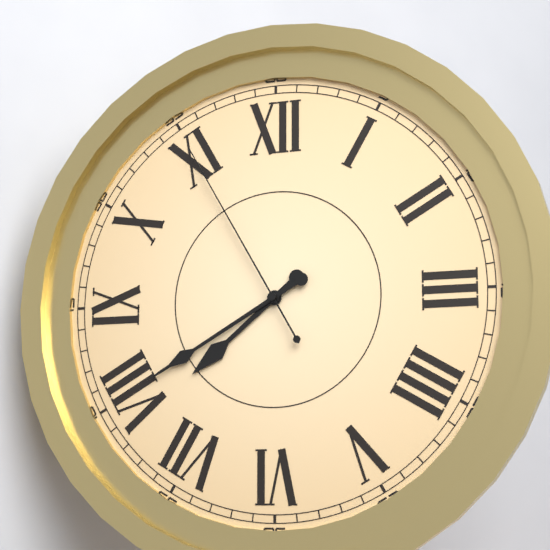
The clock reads 7:40:55
